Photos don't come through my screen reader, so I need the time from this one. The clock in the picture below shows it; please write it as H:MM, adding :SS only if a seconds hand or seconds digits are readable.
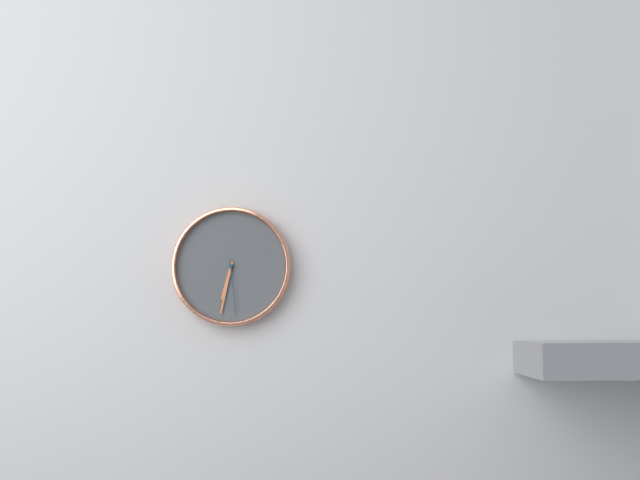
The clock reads 6:32:29
